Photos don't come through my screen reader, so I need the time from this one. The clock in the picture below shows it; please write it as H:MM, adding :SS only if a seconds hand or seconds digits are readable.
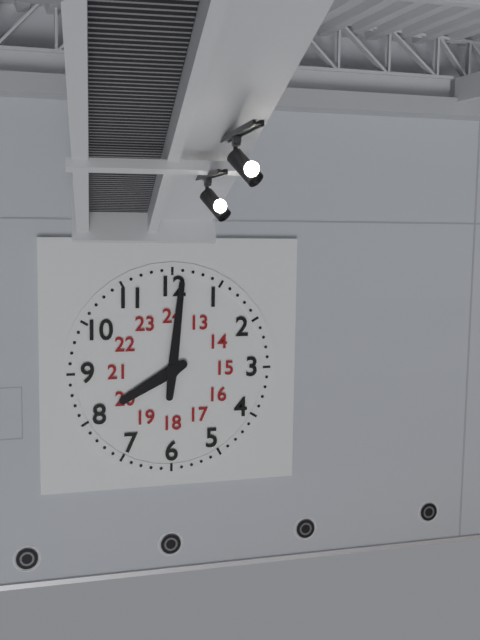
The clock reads 8:01
